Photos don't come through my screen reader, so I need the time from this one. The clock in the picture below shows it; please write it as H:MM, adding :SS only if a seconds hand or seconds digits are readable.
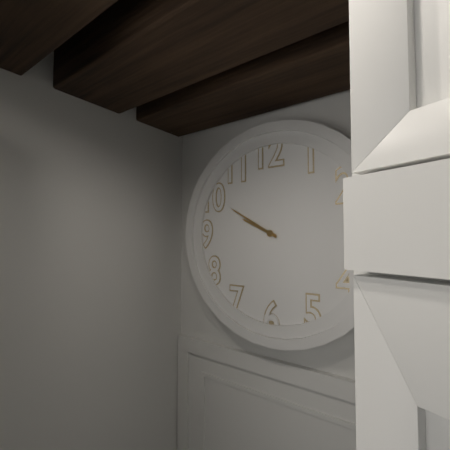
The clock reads 9:50
